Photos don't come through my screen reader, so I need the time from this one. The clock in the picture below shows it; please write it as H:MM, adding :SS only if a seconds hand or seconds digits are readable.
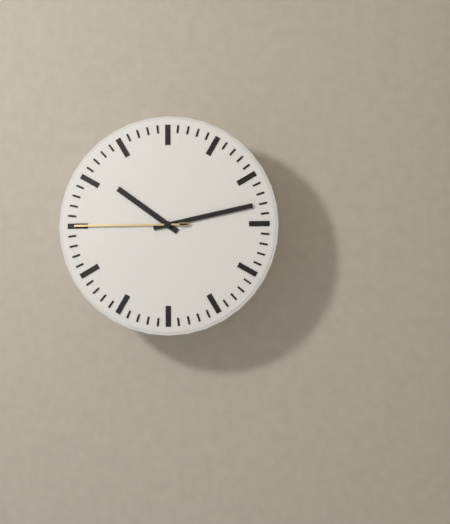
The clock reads 10:13:45
